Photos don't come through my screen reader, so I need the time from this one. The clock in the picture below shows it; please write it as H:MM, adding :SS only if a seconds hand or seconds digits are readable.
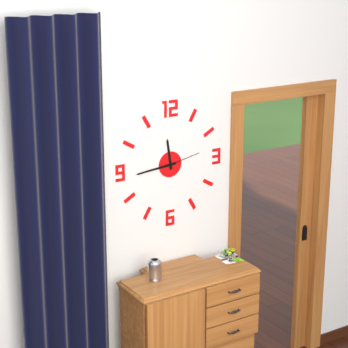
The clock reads 11:44
